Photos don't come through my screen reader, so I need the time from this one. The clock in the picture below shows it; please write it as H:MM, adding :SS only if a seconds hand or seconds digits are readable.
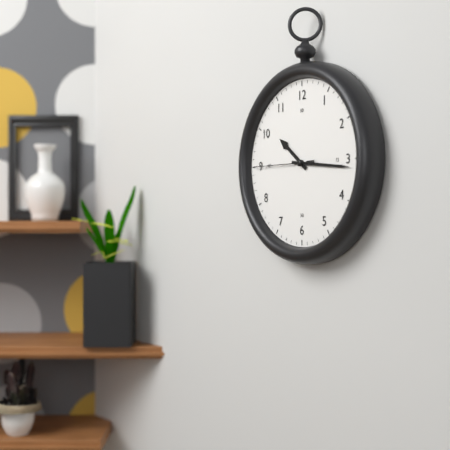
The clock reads 10:16:45
